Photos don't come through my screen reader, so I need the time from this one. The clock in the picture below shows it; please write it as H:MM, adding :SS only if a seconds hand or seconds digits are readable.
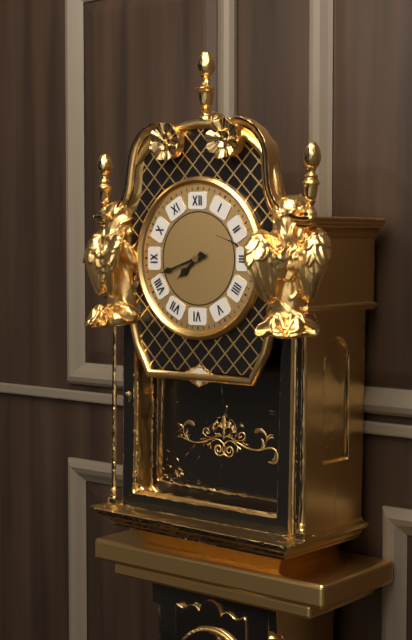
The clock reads 7:42
